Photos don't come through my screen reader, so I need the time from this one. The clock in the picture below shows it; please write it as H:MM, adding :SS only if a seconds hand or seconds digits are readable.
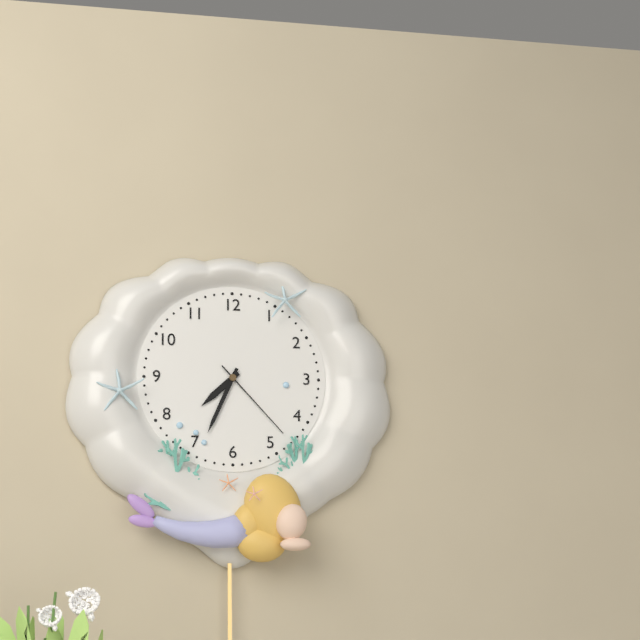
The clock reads 7:34:23
